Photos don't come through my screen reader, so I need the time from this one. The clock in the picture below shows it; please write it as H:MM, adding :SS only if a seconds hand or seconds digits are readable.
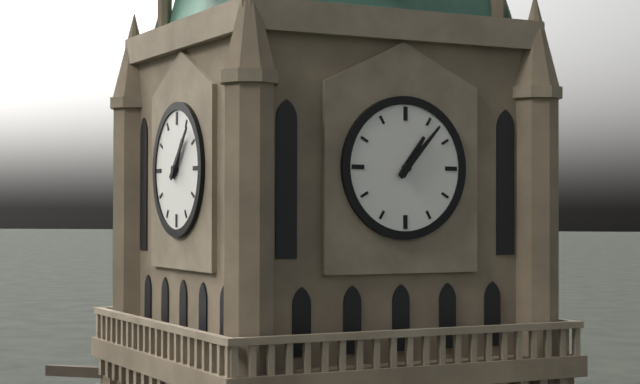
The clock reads 1:07
